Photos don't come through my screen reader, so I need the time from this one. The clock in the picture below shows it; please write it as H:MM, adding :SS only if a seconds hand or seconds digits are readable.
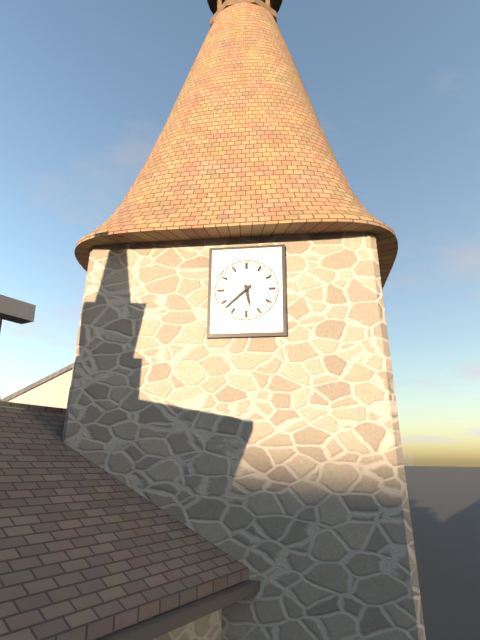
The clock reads 5:38
